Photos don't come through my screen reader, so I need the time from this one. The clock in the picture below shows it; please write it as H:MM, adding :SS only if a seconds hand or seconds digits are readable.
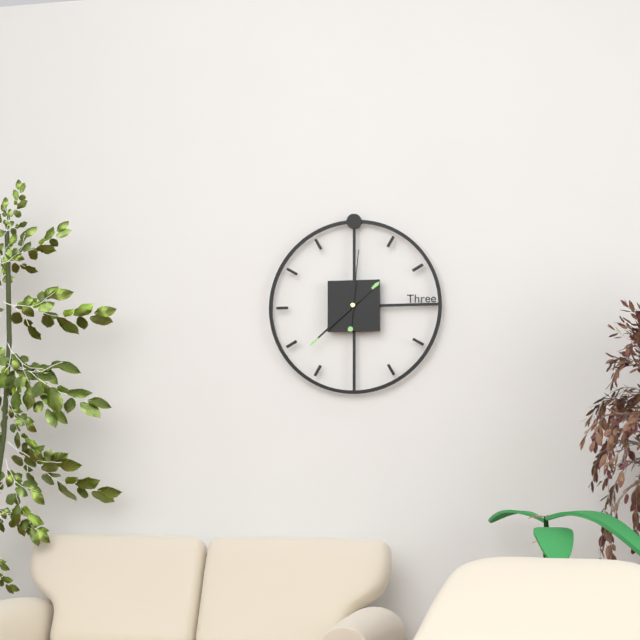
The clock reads 1:38:01
